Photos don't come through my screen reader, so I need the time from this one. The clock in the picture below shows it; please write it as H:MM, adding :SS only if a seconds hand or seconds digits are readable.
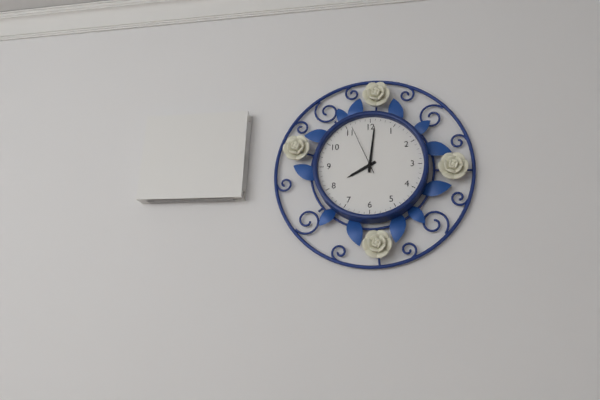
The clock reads 8:01:56
